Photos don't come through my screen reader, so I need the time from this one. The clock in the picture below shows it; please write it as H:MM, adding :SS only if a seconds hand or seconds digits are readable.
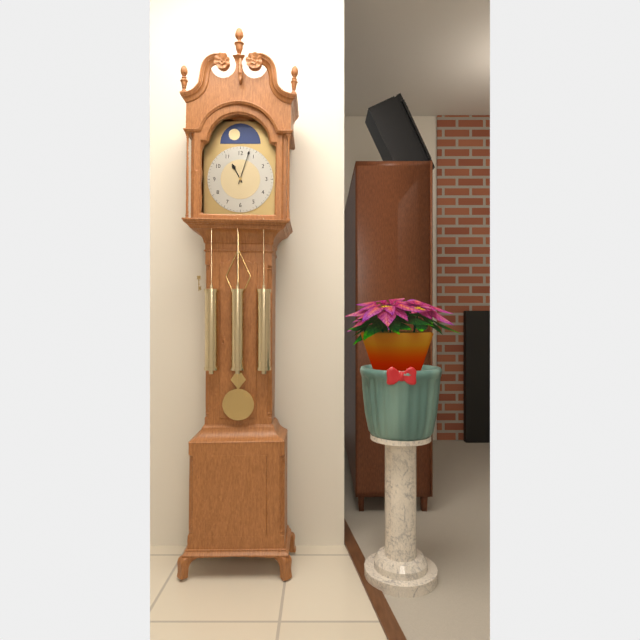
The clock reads 11:03
